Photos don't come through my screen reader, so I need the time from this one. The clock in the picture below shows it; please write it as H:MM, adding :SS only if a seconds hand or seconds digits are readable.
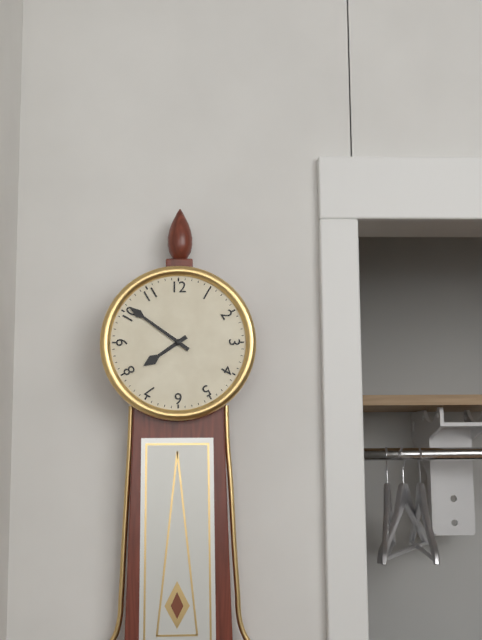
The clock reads 7:51
